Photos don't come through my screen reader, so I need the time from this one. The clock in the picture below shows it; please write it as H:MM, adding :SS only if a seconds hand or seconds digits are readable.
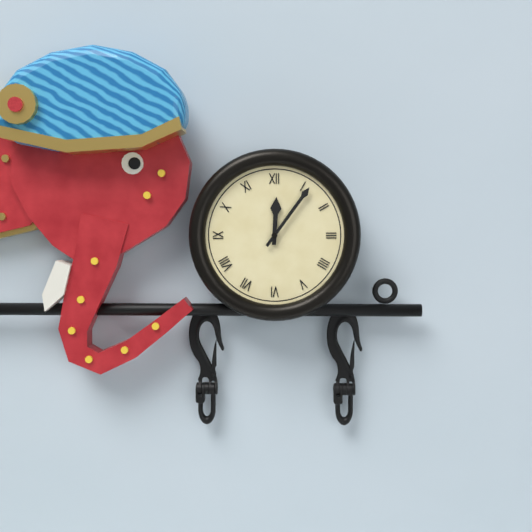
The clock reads 12:06
